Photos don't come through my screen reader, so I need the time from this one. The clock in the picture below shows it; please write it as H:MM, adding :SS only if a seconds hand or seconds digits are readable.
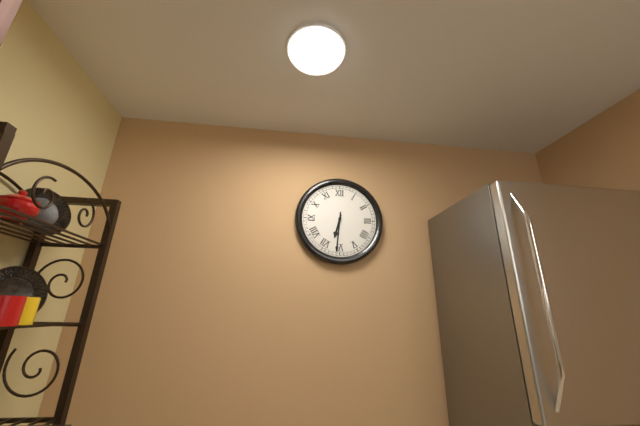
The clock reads 6:31
